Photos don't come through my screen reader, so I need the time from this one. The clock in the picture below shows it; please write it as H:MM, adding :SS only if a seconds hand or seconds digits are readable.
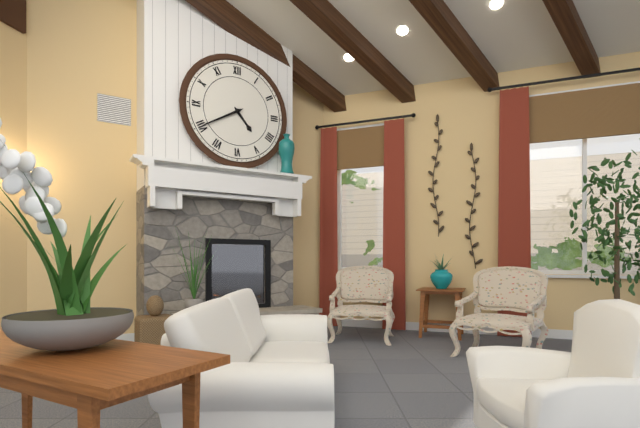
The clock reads 4:40
